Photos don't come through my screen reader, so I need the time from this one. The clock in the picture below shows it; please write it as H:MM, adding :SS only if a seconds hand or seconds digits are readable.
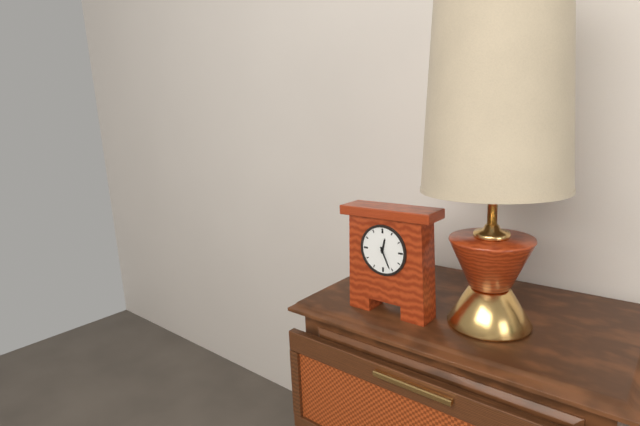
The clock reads 12:26
